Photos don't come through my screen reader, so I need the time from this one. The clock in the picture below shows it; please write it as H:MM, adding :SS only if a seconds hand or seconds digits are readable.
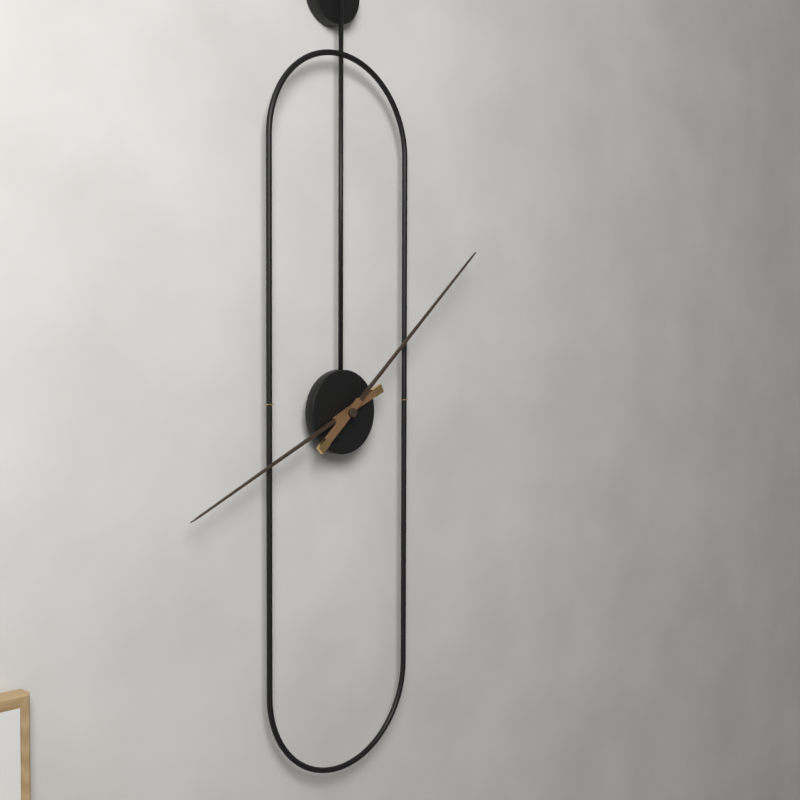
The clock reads 8:08
